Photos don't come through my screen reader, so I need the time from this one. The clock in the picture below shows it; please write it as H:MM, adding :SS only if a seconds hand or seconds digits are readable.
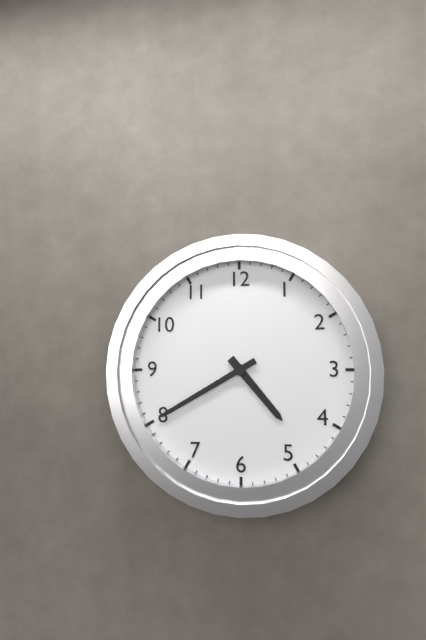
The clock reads 4:40
